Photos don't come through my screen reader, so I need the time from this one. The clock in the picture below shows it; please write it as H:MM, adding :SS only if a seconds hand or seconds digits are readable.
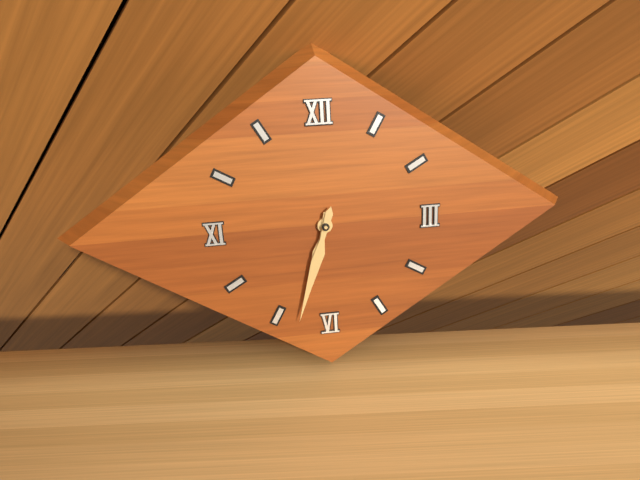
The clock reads 6:33
